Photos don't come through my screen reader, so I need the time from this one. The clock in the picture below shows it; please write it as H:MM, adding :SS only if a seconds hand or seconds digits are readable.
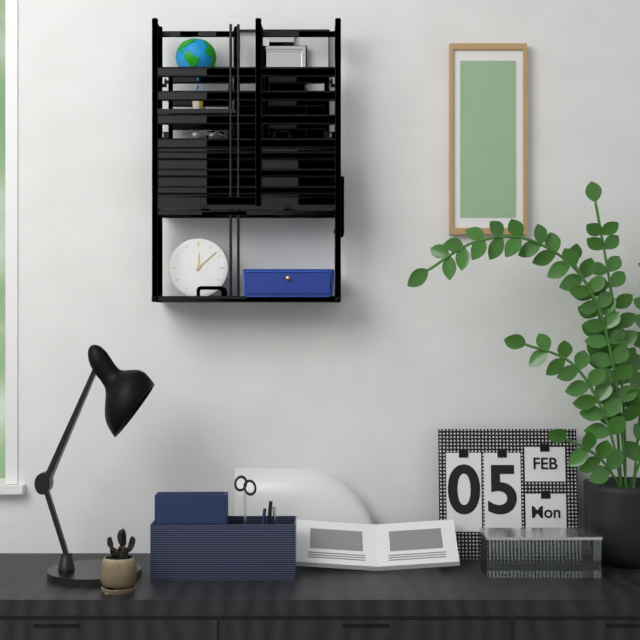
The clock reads 12:08
